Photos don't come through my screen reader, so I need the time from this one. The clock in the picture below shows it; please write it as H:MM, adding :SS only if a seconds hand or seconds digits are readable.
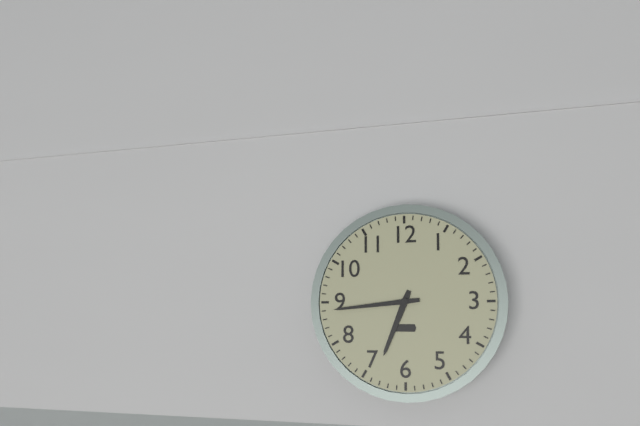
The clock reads 6:44
